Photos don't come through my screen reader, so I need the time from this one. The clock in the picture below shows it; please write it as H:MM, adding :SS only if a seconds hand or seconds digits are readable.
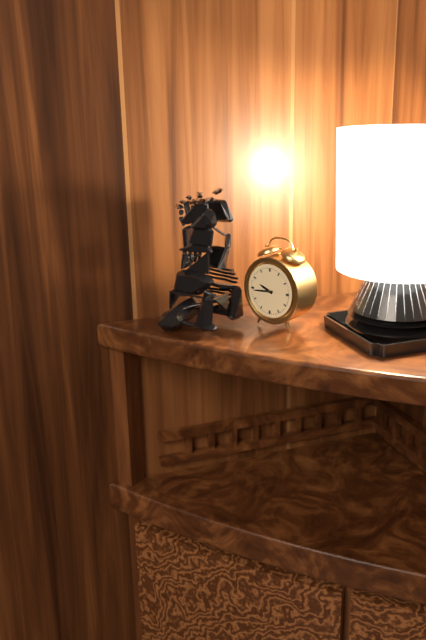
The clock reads 9:44
